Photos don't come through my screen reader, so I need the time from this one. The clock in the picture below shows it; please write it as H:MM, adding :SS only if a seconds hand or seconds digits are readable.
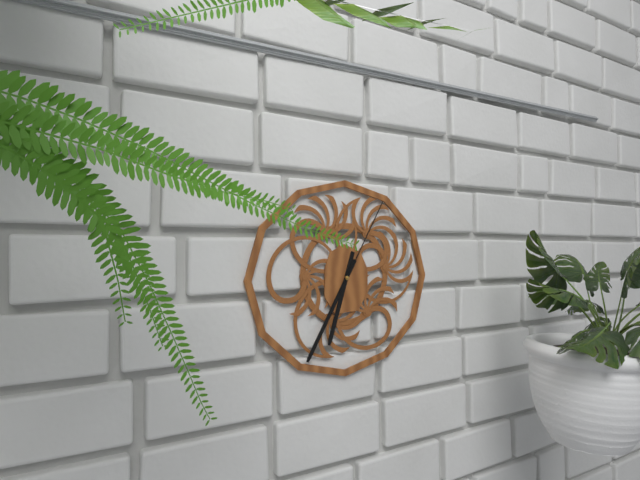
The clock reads 6:35:05
